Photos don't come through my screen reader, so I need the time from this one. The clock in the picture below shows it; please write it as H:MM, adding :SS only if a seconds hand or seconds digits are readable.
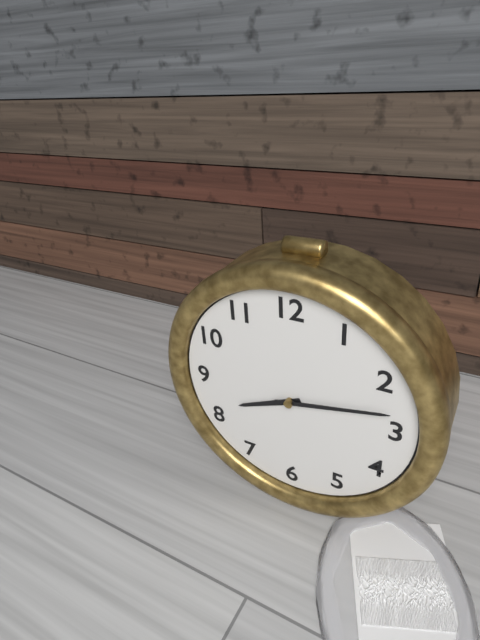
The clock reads 8:13
